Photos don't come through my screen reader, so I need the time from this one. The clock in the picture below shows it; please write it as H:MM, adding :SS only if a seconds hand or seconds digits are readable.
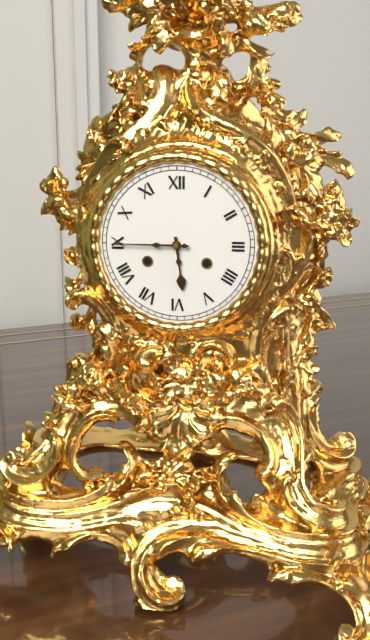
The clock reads 5:45
